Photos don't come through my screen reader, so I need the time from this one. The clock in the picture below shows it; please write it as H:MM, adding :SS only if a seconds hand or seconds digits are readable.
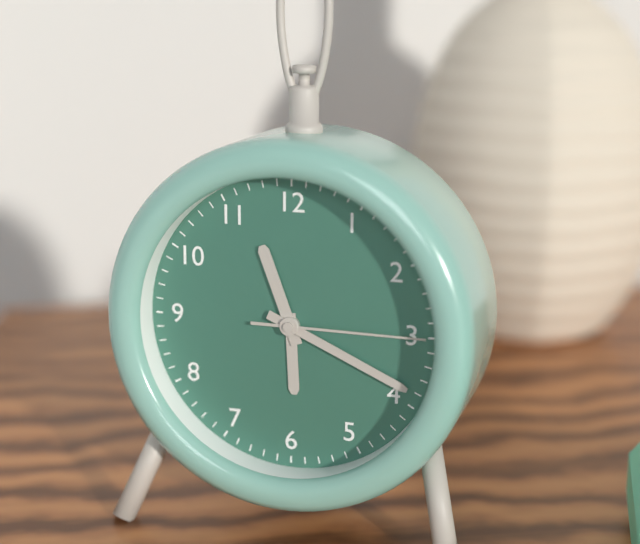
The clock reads 11:19:15
